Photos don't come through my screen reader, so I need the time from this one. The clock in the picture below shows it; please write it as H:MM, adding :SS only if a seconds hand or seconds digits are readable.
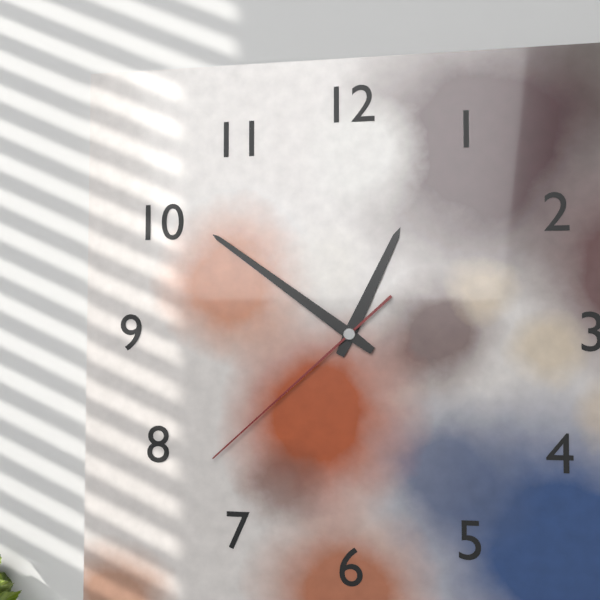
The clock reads 12:51:38
